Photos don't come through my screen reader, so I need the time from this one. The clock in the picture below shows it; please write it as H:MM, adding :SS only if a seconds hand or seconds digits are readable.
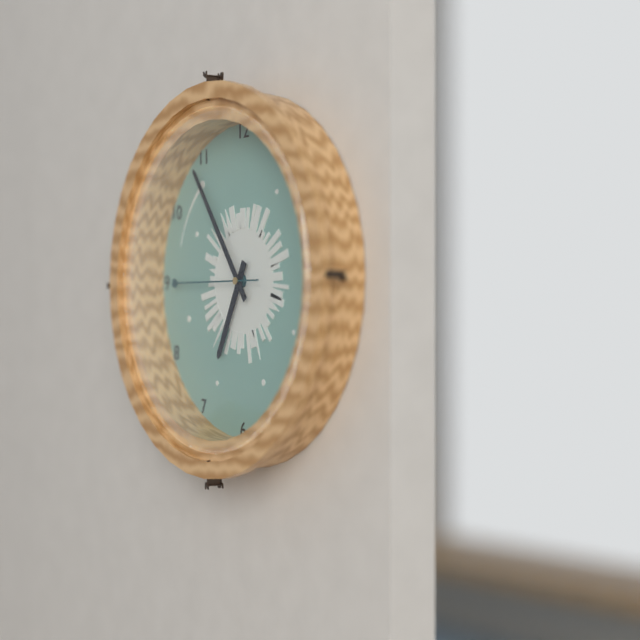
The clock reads 6:54:45
